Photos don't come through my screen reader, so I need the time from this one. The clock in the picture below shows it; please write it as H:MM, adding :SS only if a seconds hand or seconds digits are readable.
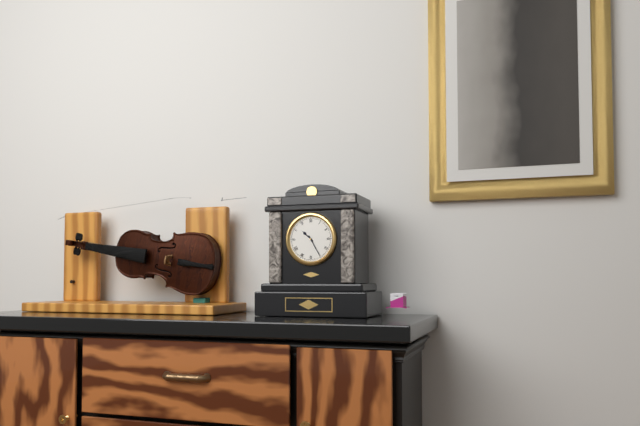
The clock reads 10:25
